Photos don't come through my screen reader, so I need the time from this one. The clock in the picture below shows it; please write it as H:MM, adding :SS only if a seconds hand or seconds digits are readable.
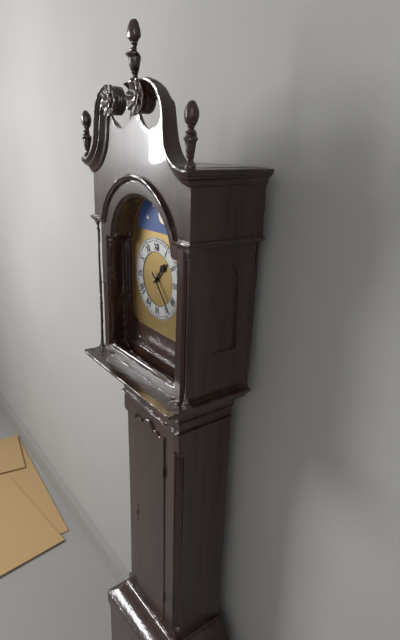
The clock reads 1:23
